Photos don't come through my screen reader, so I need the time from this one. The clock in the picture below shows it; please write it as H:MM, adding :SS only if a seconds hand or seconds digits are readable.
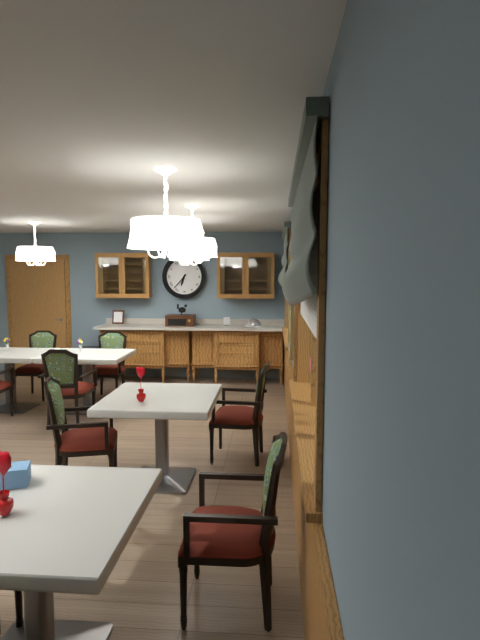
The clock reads 6:37
